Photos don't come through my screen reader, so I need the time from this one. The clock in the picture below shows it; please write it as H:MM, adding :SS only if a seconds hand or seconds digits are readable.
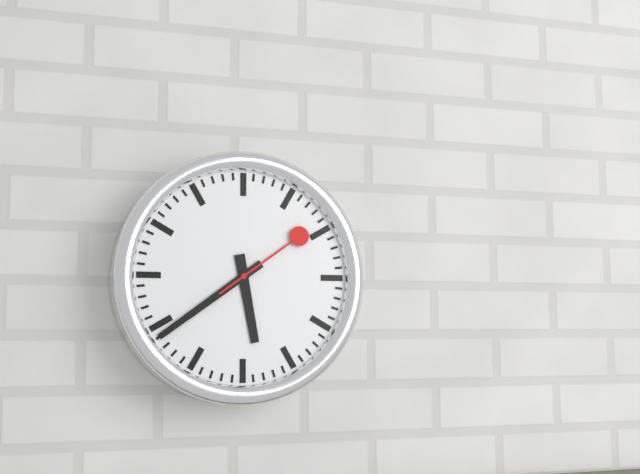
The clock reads 5:39:09
